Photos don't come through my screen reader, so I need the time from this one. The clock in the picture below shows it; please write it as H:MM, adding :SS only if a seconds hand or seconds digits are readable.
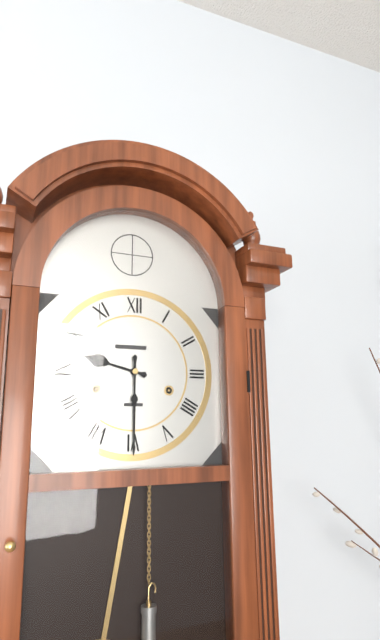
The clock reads 9:30
